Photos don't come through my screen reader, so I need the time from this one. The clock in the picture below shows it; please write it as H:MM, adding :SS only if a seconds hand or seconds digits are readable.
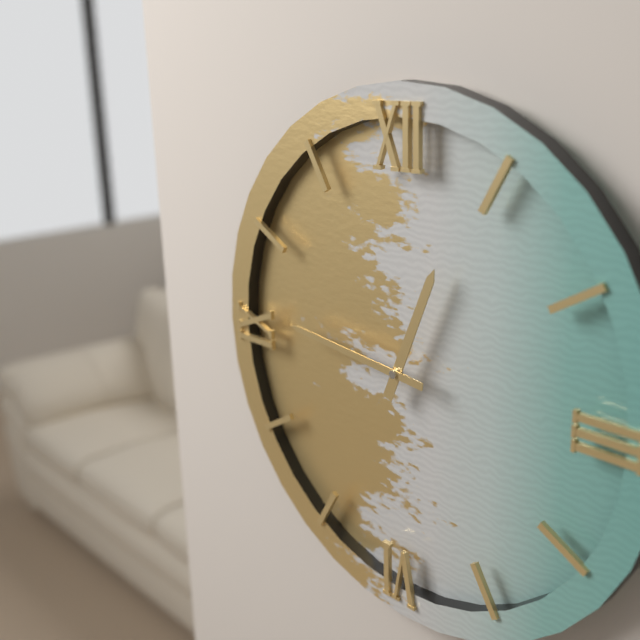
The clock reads 12:46
